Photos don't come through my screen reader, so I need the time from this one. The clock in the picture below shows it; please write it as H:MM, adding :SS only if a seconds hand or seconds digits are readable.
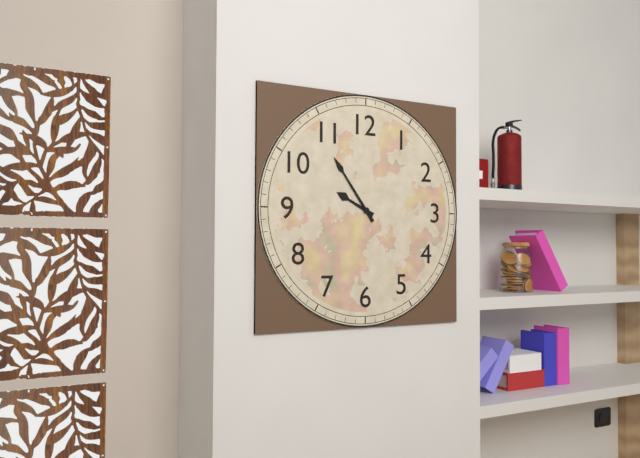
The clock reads 9:54
